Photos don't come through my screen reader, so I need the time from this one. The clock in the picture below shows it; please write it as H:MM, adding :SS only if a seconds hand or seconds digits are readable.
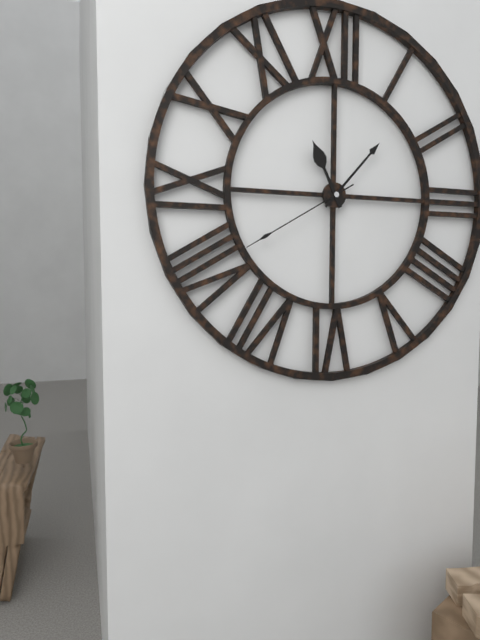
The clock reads 11:07:40
